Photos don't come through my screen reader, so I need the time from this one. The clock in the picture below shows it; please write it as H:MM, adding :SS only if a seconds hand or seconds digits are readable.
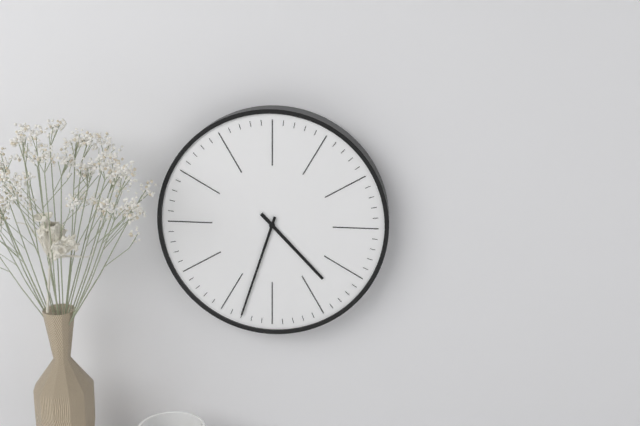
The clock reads 4:33
